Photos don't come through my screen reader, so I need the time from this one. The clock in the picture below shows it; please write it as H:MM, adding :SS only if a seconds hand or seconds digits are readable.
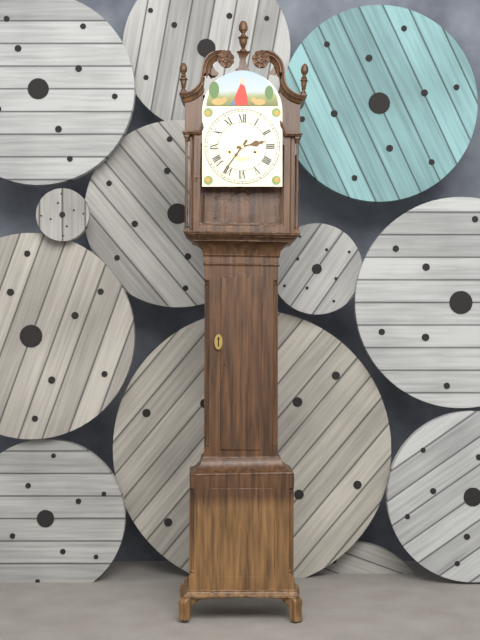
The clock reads 2:36
